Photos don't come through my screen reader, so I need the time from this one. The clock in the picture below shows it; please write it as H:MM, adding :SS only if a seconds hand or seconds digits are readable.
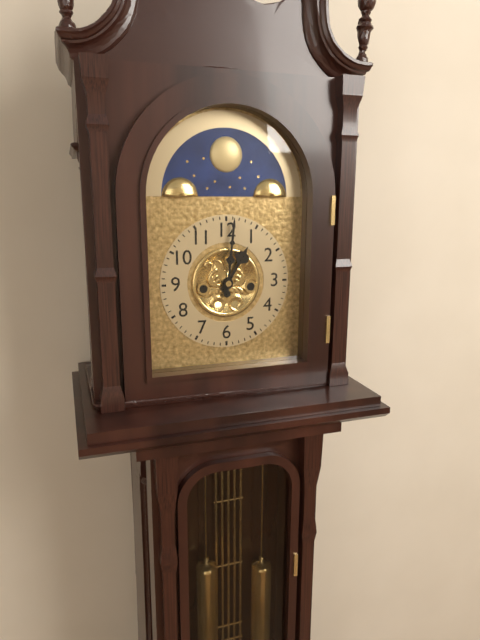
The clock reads 1:01
